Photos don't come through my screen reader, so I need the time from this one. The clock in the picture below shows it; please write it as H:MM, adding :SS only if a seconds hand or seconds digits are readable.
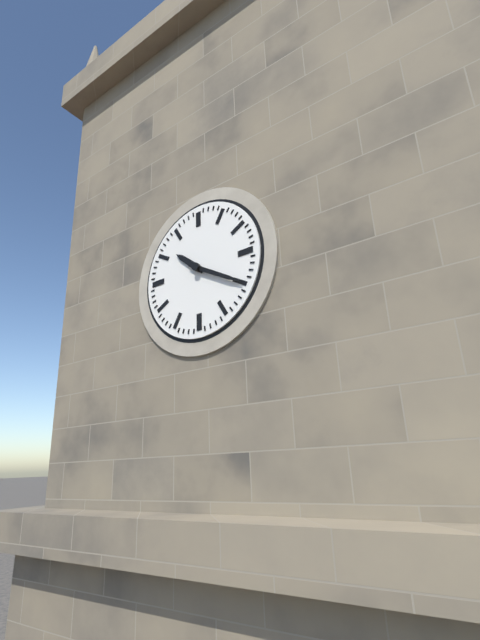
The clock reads 10:20
